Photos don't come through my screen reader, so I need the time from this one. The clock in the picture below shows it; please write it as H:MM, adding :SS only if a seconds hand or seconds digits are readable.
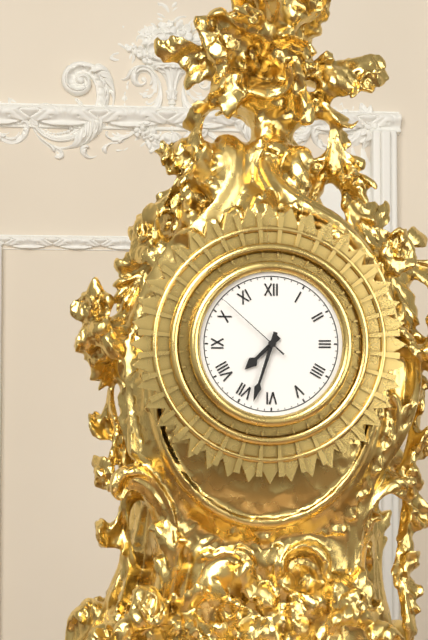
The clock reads 7:33:52
